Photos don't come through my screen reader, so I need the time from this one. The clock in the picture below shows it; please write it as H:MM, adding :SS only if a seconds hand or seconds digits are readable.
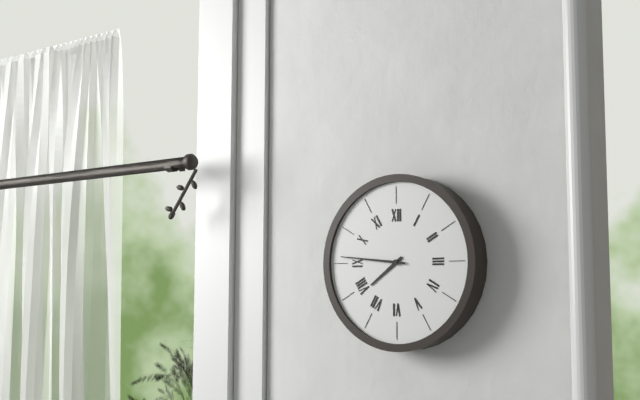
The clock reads 7:46
